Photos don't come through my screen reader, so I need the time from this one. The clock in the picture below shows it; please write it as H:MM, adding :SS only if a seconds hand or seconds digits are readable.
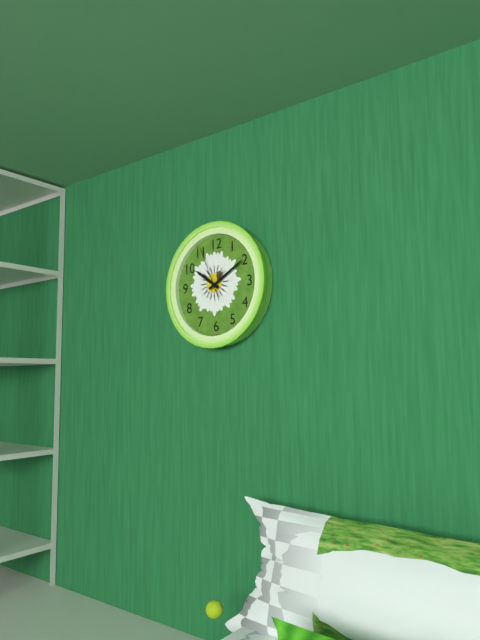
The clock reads 10:10:56
